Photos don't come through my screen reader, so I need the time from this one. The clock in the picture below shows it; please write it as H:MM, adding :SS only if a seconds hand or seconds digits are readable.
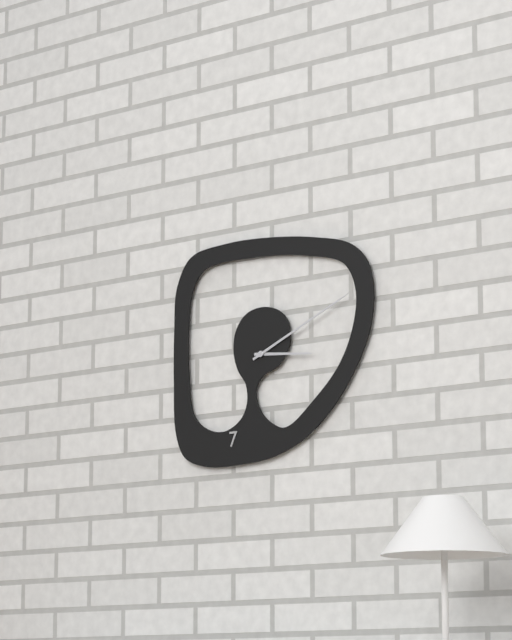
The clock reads 3:11
